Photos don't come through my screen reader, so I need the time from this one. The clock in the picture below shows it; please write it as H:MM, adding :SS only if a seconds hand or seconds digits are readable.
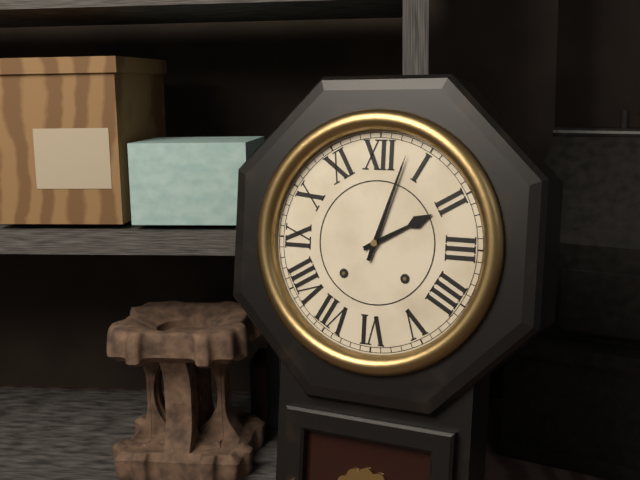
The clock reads 2:03
